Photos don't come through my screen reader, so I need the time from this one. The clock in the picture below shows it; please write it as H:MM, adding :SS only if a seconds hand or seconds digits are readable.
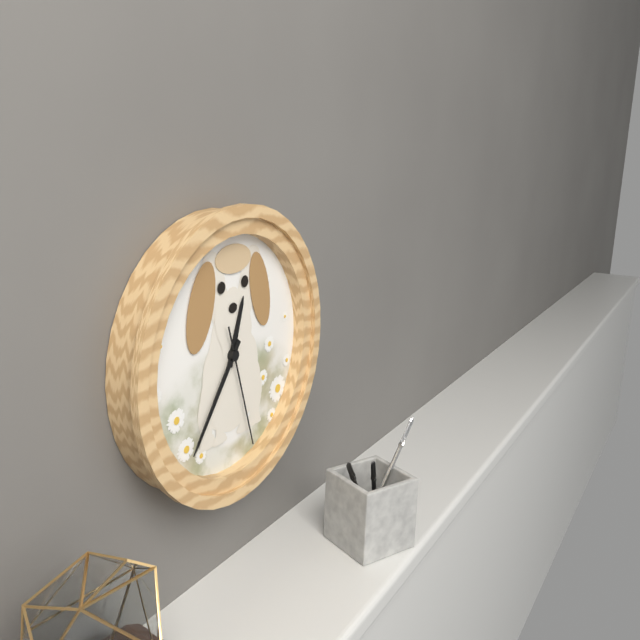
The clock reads 12:36:27
